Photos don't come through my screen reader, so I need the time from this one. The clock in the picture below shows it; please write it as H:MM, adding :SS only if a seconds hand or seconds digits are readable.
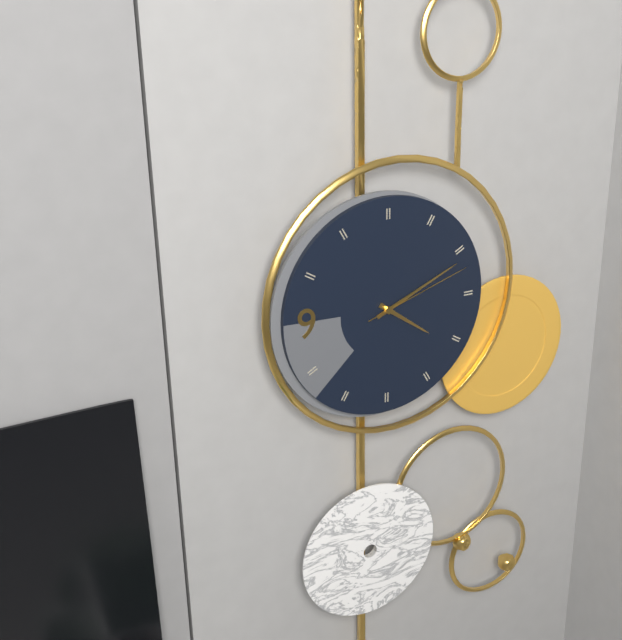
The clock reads 4:11:12
